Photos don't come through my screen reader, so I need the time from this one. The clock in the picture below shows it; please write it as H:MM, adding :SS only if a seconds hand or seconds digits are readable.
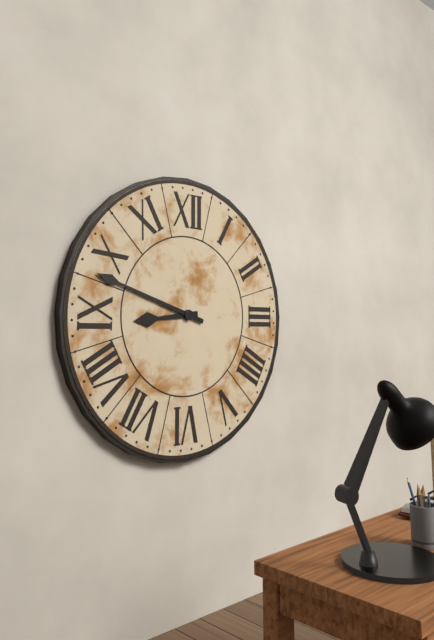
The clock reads 8:48
